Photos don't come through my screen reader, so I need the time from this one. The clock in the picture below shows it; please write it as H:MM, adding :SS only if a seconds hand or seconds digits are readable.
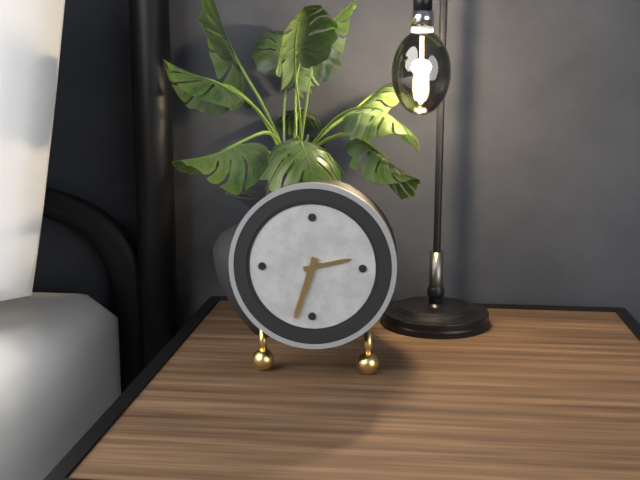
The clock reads 2:33
